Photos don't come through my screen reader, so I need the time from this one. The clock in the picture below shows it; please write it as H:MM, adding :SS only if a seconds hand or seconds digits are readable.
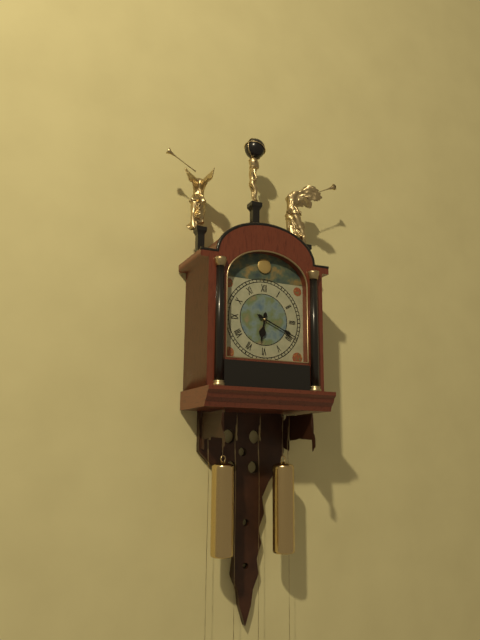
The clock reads 6:19
